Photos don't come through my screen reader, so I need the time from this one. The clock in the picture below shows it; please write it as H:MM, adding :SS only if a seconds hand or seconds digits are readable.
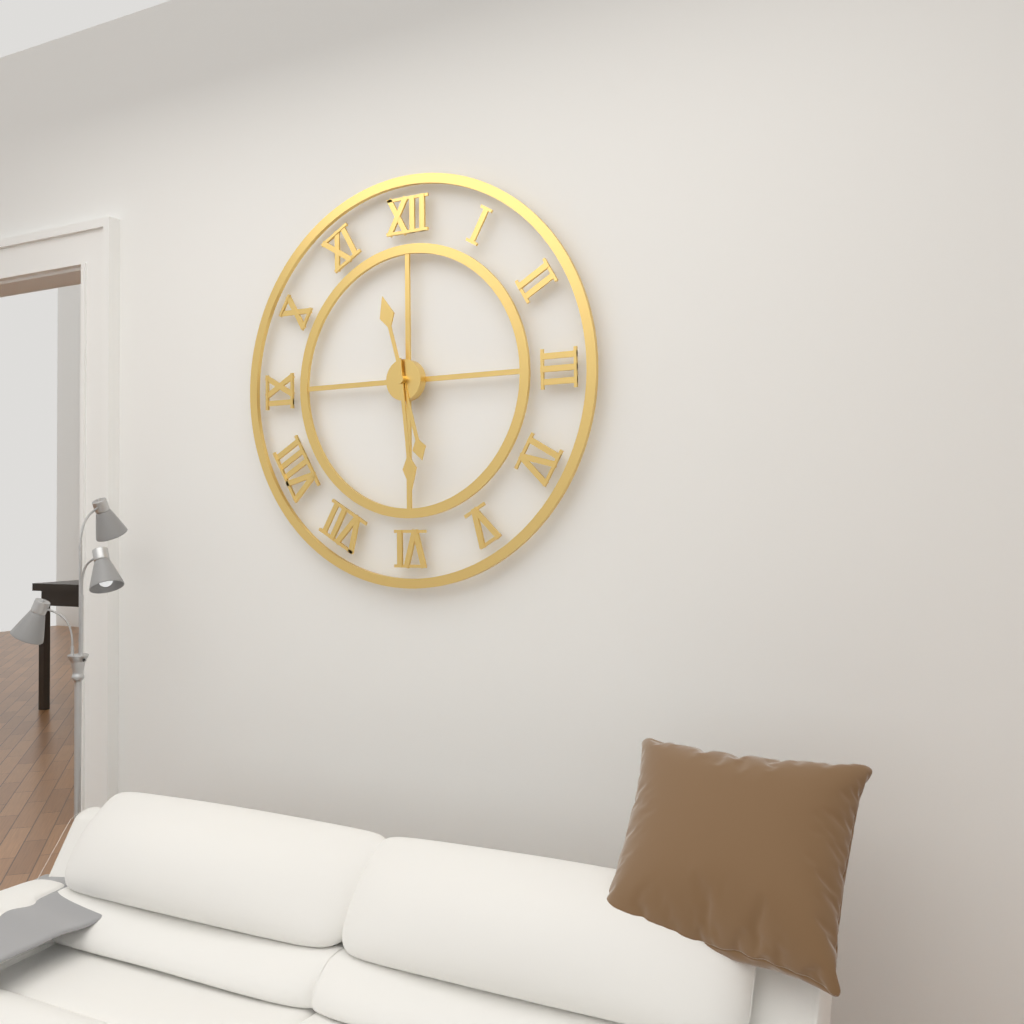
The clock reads 11:29
